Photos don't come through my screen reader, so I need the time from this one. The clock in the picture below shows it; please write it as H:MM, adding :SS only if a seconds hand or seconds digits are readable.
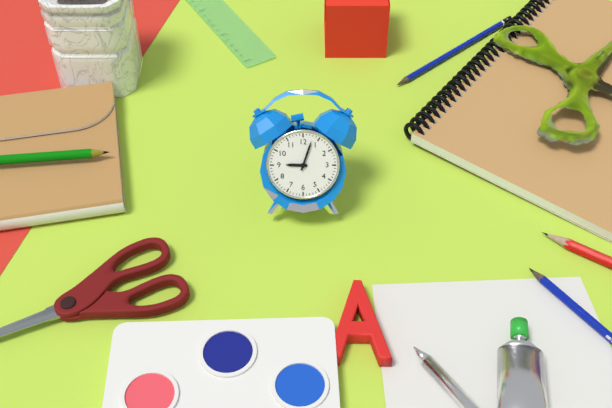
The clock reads 9:03
